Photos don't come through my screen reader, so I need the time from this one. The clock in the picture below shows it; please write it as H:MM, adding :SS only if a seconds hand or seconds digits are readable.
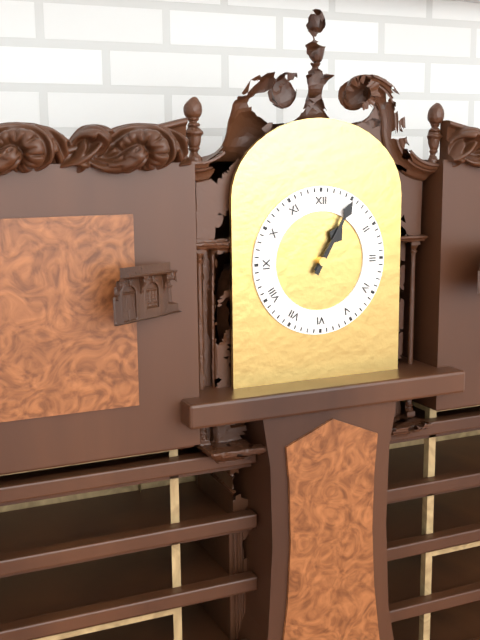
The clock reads 1:05
